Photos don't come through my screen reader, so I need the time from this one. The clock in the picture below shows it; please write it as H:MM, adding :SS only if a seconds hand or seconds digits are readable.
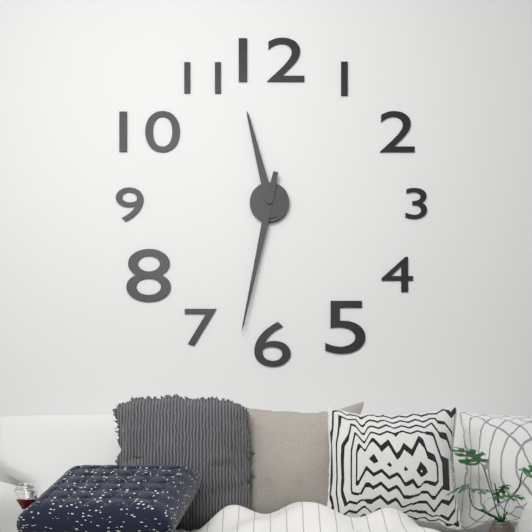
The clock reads 11:32
